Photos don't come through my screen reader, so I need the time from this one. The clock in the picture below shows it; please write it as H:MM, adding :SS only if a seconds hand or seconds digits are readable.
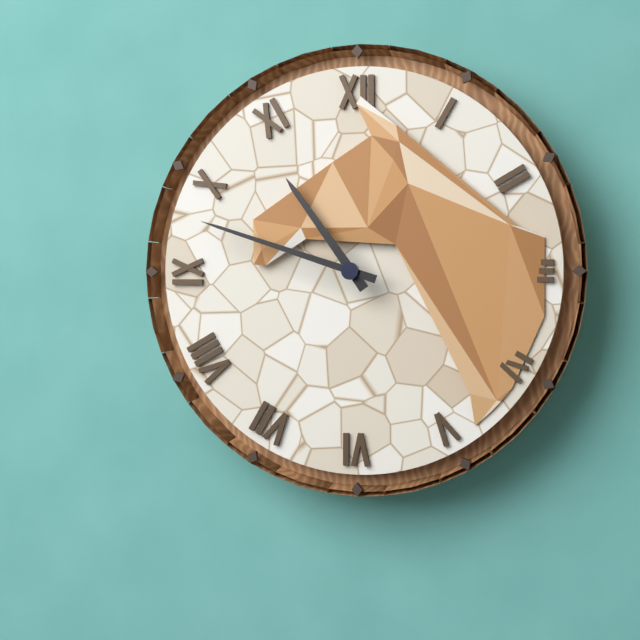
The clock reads 10:48
